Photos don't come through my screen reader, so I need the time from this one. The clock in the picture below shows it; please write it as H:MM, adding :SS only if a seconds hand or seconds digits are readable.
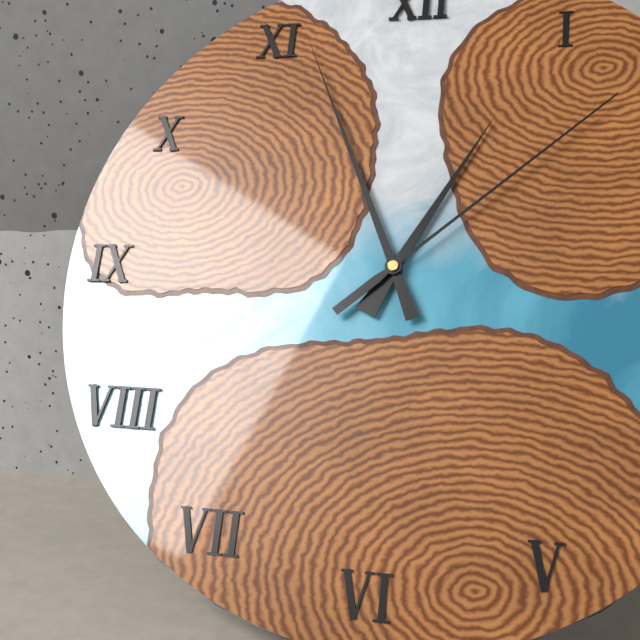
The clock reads 12:56:08
